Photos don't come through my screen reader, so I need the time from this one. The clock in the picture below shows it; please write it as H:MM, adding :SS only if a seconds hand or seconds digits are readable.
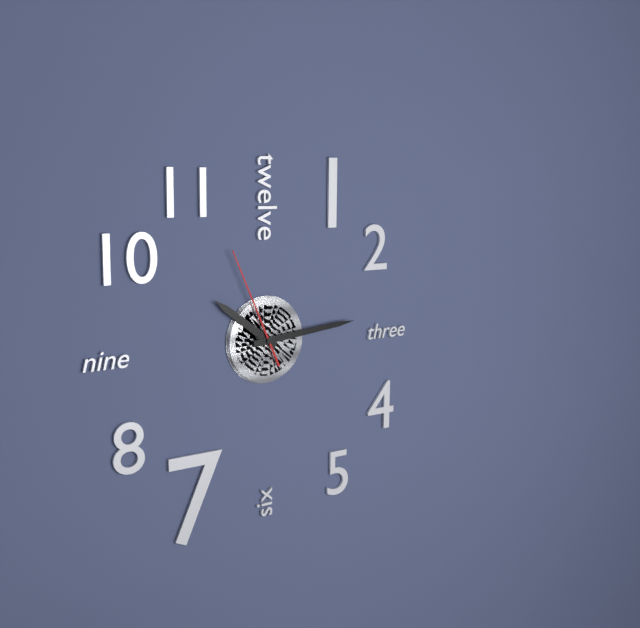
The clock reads 10:14:56
